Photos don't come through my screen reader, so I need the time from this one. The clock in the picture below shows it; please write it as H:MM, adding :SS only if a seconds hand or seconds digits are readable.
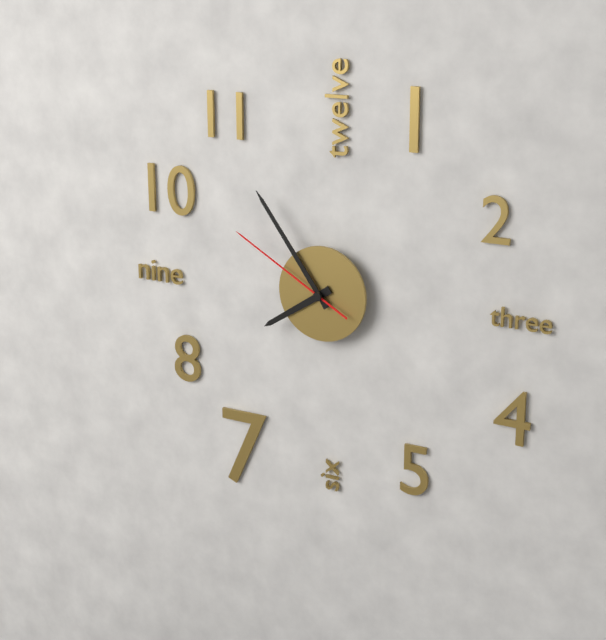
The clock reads 7:54:50
